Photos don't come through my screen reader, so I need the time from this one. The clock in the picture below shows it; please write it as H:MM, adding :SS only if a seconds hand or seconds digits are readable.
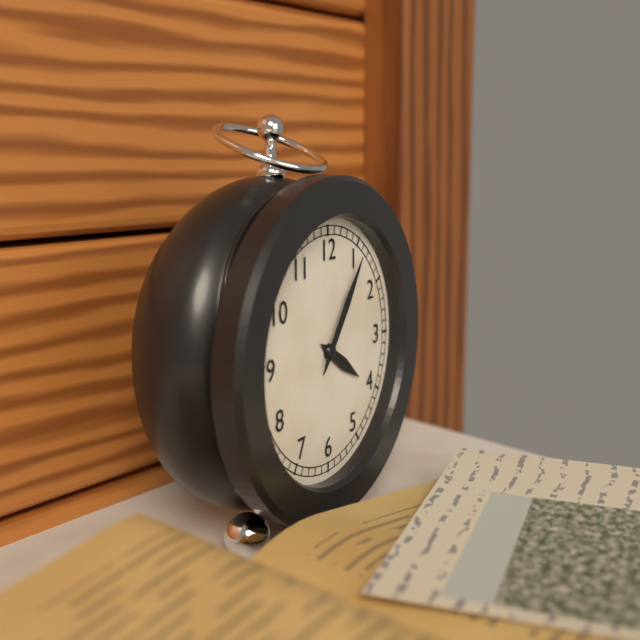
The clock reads 4:06
